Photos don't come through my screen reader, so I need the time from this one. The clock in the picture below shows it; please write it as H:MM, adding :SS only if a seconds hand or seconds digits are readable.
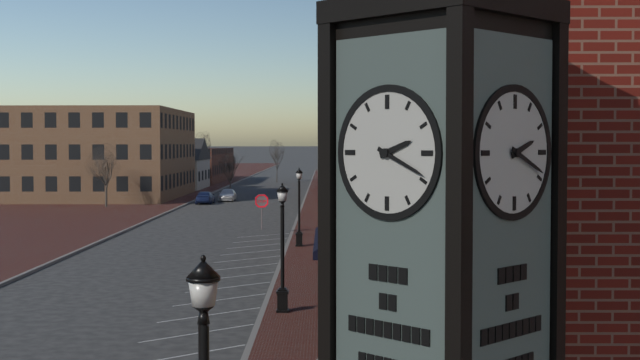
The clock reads 2:19
